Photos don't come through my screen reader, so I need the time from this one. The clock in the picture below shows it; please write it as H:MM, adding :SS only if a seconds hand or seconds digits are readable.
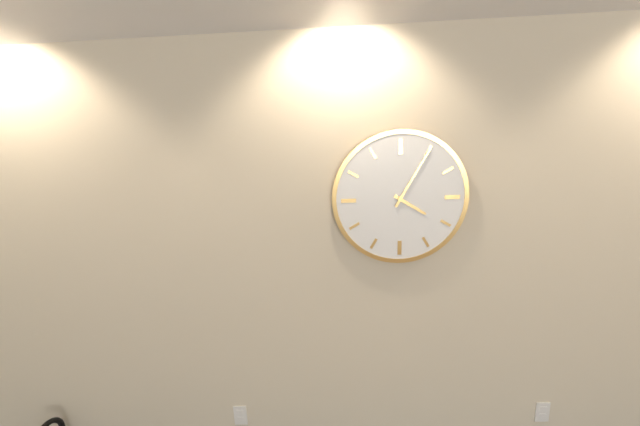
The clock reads 4:05
